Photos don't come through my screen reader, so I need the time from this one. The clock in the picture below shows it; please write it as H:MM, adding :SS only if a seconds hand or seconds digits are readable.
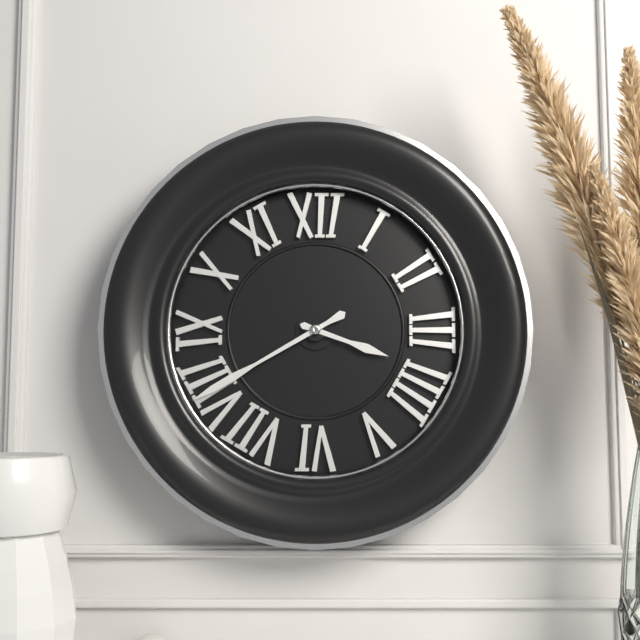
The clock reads 3:40
